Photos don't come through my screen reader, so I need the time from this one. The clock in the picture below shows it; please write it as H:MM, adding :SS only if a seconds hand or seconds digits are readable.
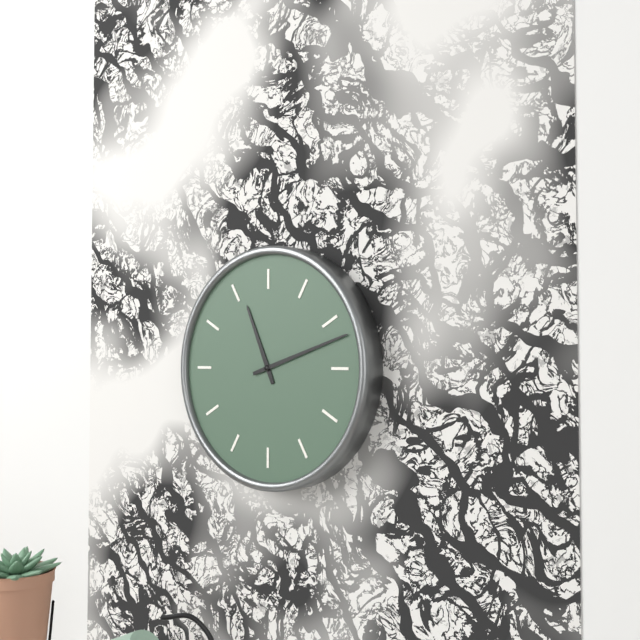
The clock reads 11:12
